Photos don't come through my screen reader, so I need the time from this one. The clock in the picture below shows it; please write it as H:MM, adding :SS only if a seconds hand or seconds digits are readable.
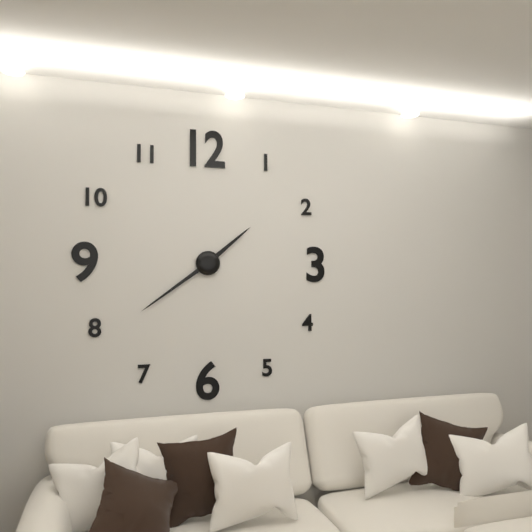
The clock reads 1:39
